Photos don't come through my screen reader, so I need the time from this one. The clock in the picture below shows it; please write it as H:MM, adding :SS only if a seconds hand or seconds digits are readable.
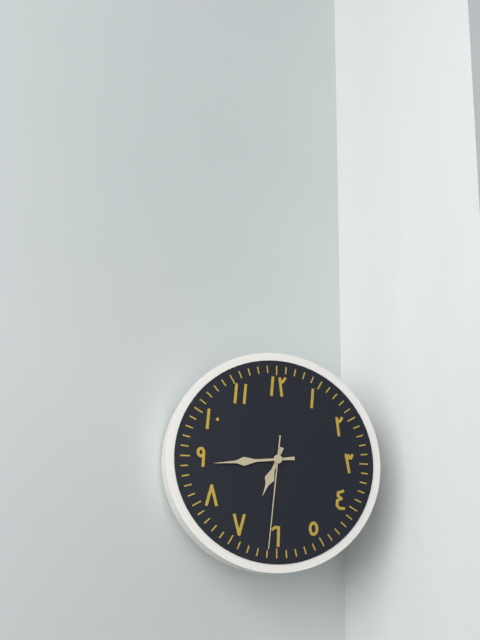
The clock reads 6:44:31
